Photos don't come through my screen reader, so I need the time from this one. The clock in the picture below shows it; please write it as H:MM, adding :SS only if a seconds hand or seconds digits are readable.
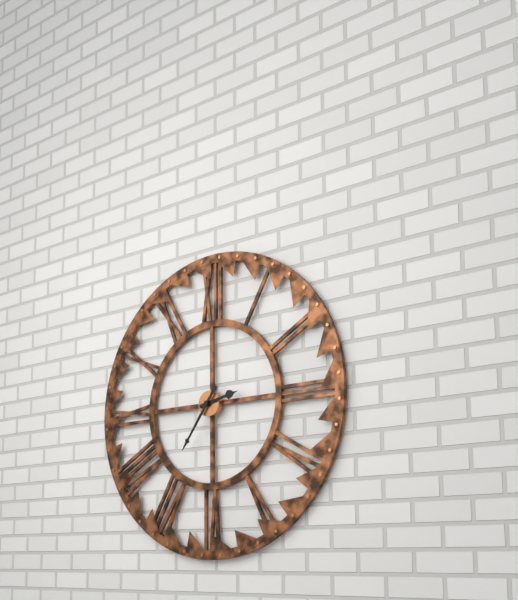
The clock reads 2:36
